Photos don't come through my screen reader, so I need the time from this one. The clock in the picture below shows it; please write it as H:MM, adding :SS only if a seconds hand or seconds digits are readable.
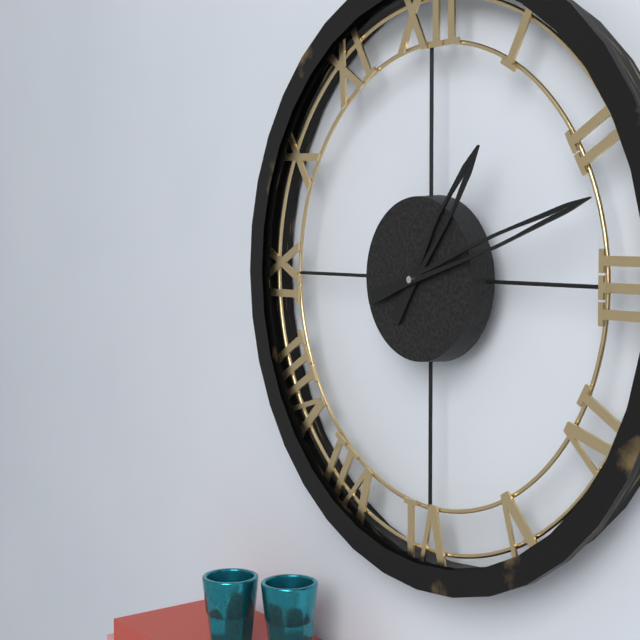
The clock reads 1:12
